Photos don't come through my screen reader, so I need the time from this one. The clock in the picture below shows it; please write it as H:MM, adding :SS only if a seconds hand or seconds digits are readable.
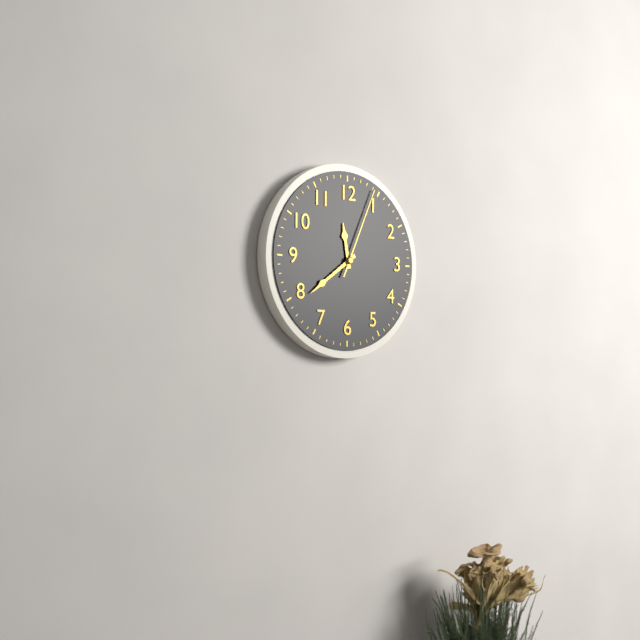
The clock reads 11:39:04
